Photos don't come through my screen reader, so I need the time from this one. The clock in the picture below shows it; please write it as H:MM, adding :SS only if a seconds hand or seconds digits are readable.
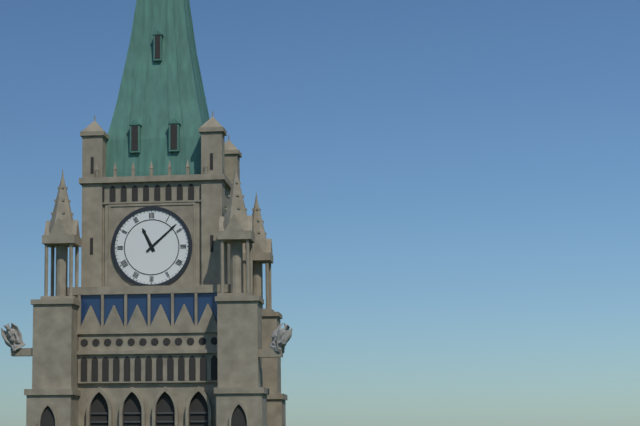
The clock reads 11:08
